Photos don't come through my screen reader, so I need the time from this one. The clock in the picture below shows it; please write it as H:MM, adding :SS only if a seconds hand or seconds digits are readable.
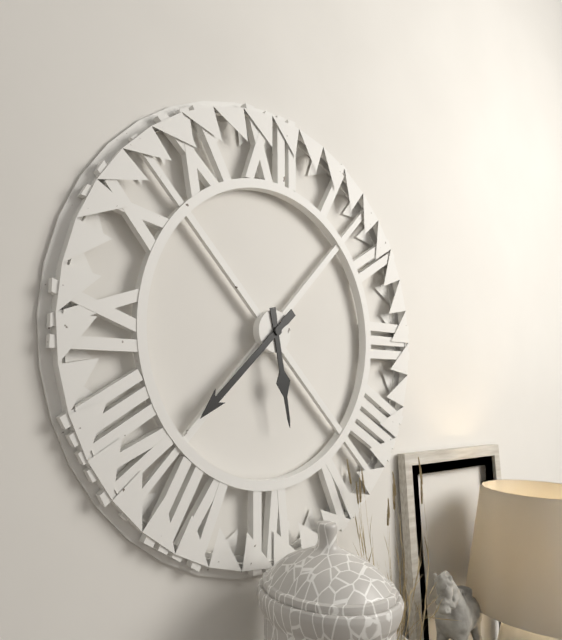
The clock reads 5:38
